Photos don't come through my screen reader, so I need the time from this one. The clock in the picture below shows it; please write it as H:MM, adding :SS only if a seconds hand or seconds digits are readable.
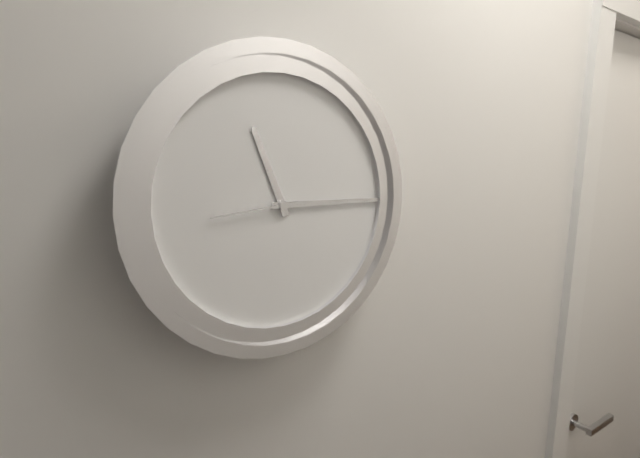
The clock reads 11:15:44
